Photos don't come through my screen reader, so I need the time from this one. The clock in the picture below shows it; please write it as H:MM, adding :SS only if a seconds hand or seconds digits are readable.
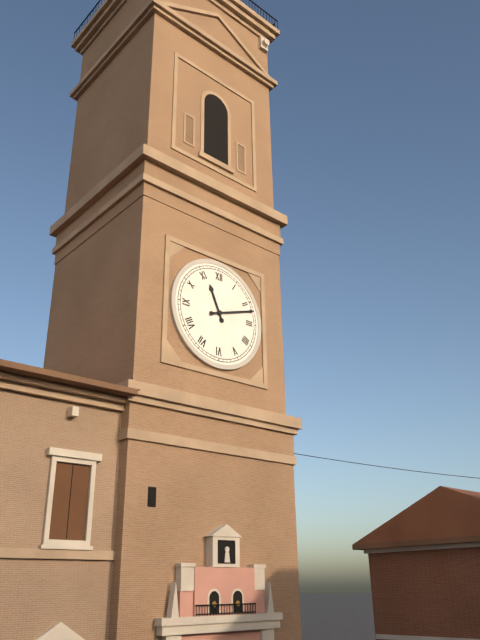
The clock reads 11:12
